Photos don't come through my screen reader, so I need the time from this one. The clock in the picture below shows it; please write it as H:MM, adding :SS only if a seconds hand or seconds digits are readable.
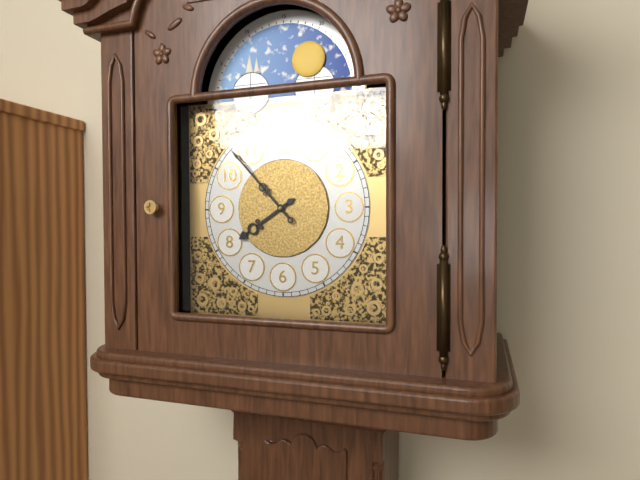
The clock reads 7:53
